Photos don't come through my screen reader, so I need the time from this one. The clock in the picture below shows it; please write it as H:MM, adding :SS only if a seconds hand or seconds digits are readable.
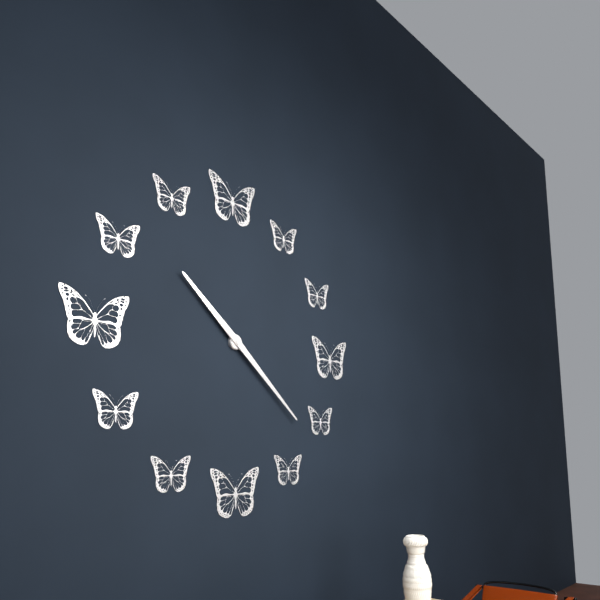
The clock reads 10:22
